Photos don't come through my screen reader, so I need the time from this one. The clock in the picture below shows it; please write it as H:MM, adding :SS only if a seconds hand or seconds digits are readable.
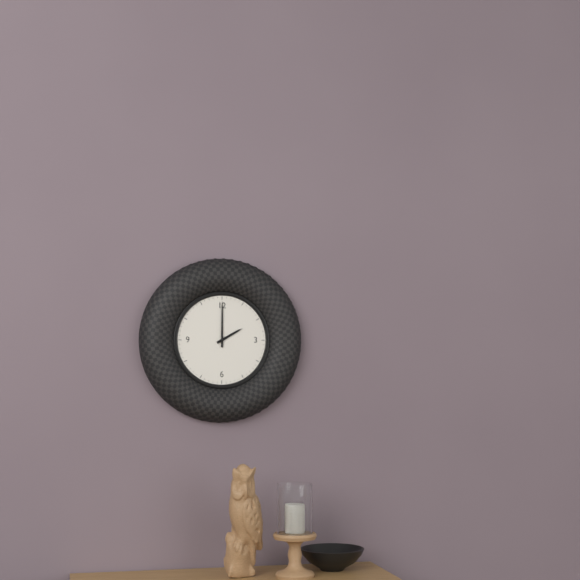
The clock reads 2:00
